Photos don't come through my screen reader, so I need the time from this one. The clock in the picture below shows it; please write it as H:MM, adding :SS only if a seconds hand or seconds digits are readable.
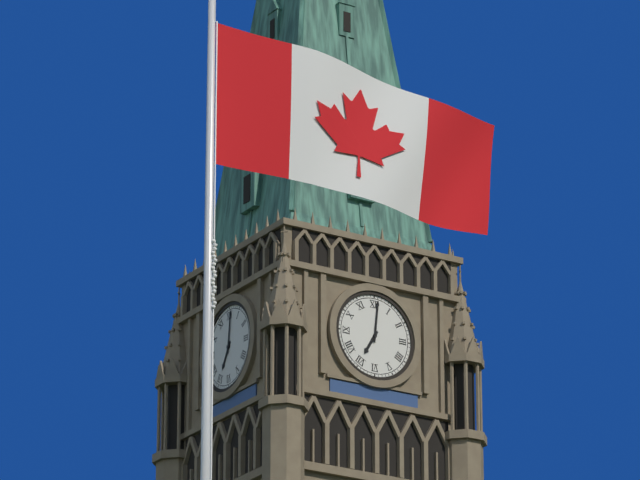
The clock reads 7:01
